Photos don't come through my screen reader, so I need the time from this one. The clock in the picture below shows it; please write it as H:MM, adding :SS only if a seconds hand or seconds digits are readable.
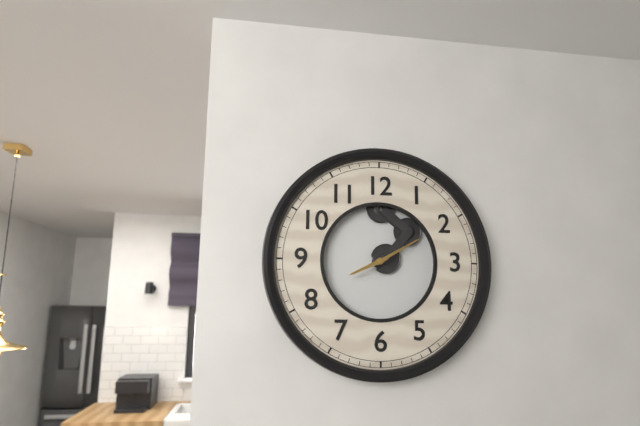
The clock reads 8:10
